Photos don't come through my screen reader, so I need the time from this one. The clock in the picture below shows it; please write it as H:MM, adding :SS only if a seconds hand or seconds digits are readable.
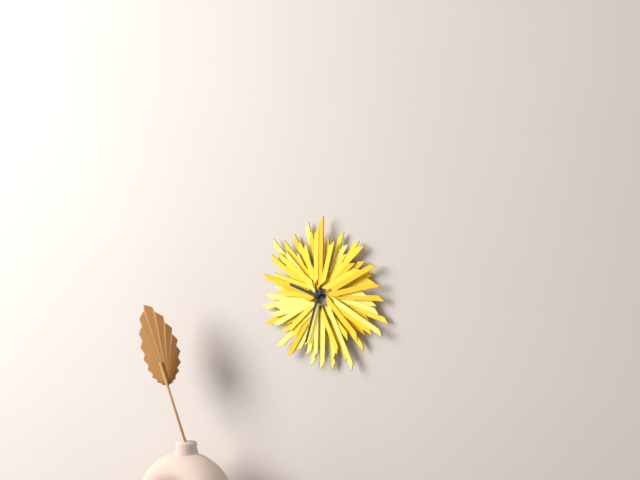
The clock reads 9:33
